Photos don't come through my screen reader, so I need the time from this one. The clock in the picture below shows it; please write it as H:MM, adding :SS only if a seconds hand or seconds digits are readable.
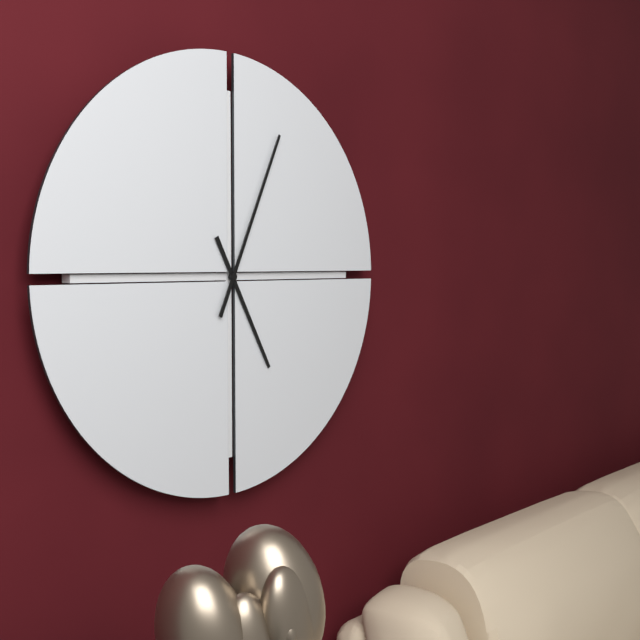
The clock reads 5:04
